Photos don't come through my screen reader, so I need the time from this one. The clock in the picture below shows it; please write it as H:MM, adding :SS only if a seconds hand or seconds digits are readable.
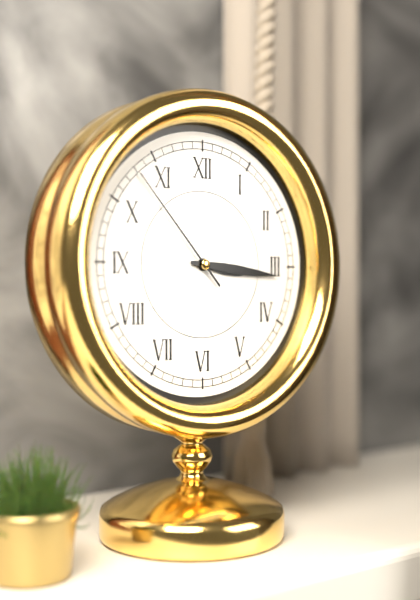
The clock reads 3:16:53
